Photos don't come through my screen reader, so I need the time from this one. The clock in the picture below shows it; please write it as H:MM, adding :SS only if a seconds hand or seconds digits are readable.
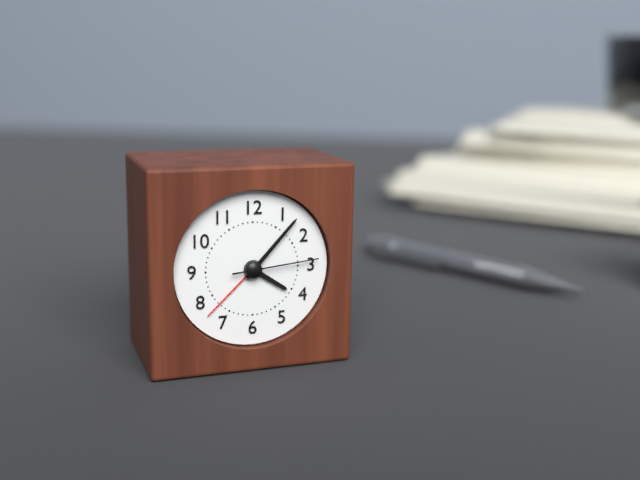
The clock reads 4:07:14
